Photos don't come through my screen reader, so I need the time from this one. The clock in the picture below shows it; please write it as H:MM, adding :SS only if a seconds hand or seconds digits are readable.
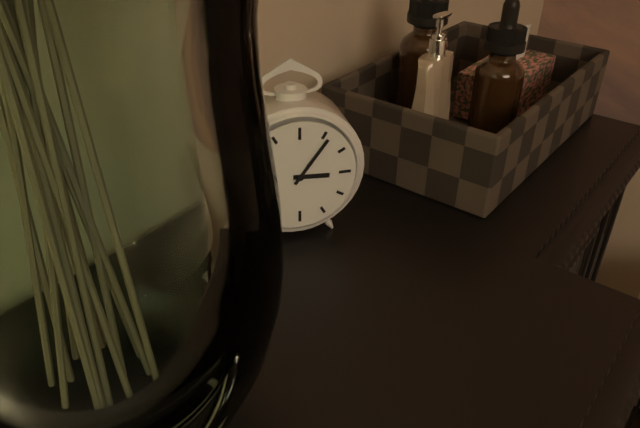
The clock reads 3:06
